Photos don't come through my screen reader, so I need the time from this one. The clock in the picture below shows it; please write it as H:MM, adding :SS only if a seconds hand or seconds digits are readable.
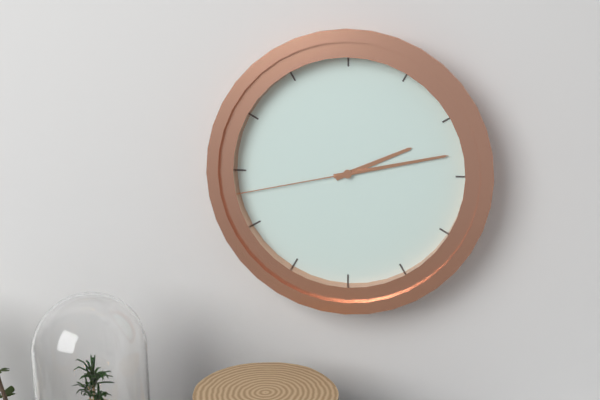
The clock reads 2:13:43
